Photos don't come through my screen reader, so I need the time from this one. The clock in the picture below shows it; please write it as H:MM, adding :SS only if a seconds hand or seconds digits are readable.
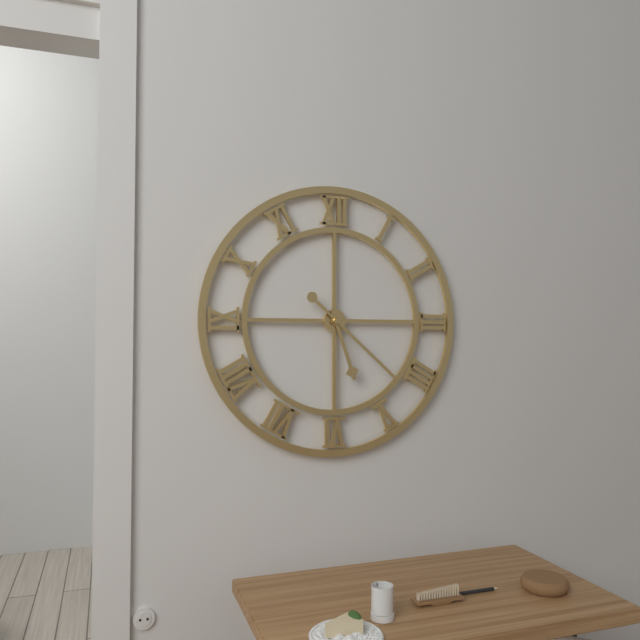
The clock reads 5:22
